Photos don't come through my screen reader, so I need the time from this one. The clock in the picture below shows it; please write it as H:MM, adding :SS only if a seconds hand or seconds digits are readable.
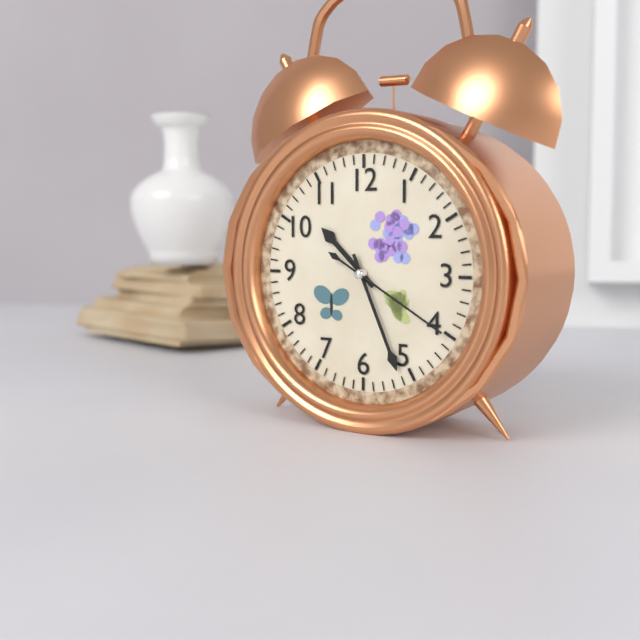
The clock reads 10:26:20
